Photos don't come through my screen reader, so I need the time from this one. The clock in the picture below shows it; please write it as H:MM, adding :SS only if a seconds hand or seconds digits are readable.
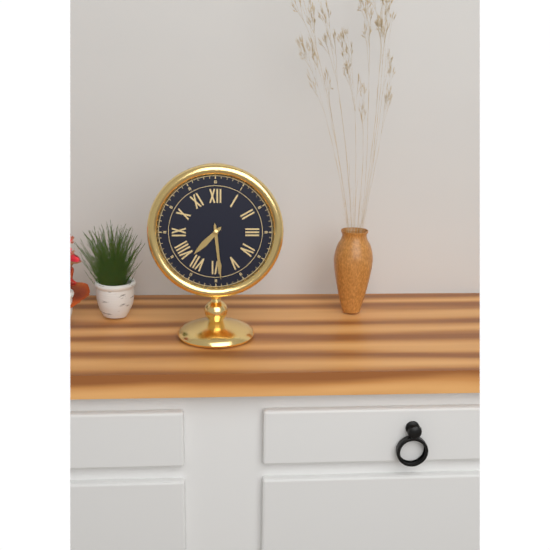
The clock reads 7:29
